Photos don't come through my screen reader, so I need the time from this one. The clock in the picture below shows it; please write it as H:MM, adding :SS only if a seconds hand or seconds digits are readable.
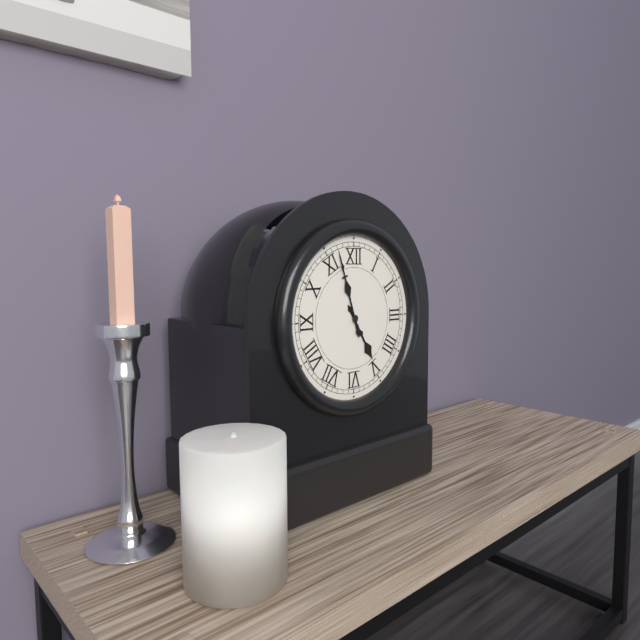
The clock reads 4:57
